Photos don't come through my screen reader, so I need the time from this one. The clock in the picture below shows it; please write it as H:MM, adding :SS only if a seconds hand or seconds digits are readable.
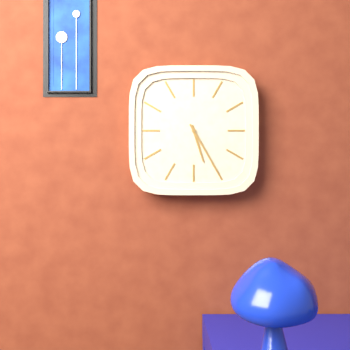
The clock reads 5:25
